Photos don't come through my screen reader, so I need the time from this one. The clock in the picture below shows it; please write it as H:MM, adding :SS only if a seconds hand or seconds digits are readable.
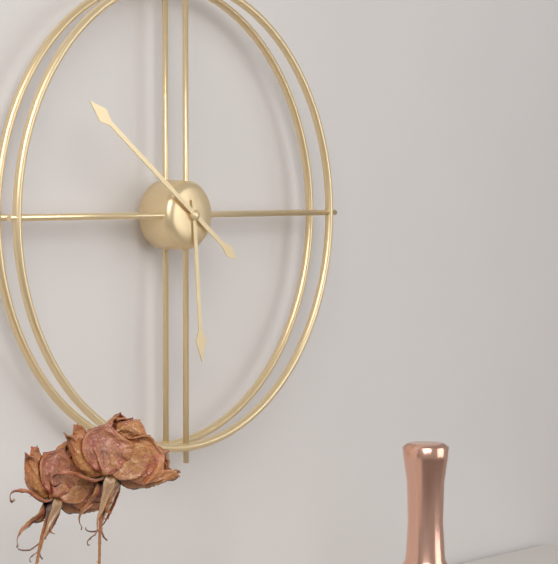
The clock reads 5:51
